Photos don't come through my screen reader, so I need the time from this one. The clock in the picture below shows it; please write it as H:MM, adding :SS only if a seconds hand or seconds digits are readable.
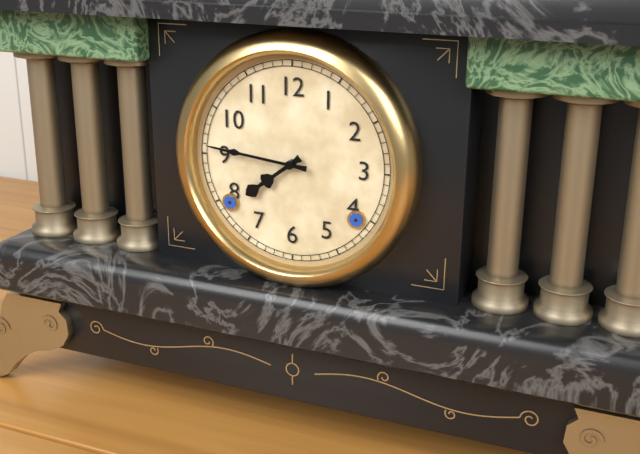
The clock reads 7:46
